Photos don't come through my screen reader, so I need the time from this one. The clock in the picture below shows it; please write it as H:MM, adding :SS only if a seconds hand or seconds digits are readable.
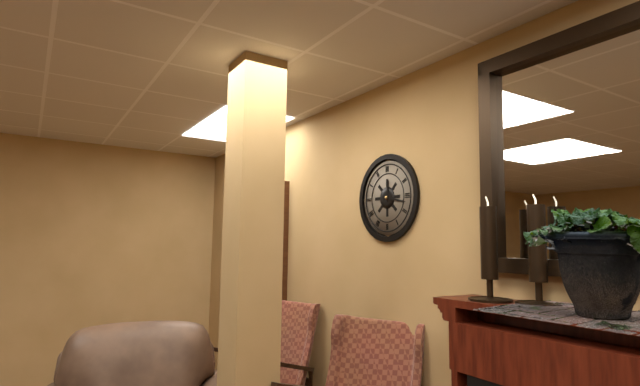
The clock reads 12:17
